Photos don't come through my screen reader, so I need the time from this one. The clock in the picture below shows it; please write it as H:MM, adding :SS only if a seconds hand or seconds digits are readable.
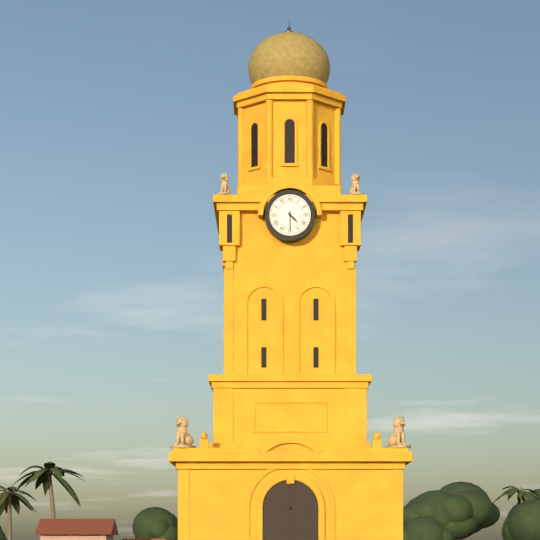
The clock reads 4:30
